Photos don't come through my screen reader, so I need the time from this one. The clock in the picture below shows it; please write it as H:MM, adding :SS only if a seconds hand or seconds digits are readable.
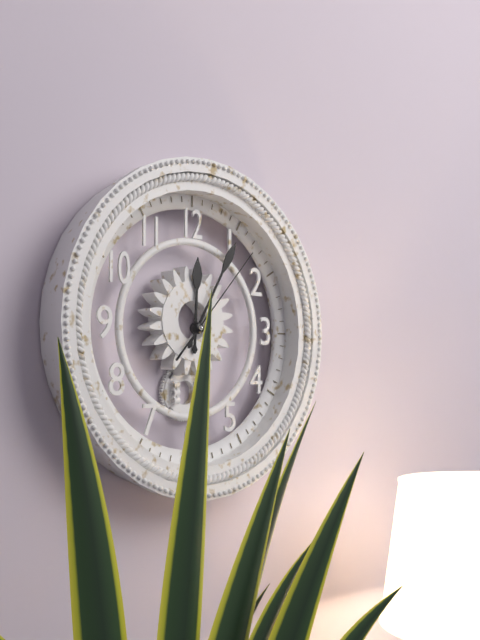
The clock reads 12:05:07
